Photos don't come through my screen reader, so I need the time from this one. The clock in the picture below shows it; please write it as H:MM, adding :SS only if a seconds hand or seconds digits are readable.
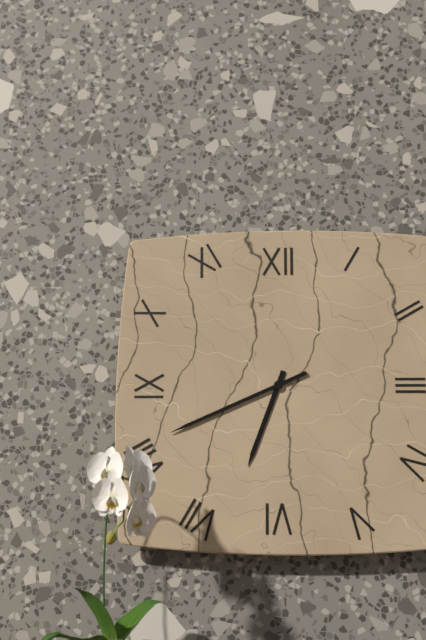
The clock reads 6:41
